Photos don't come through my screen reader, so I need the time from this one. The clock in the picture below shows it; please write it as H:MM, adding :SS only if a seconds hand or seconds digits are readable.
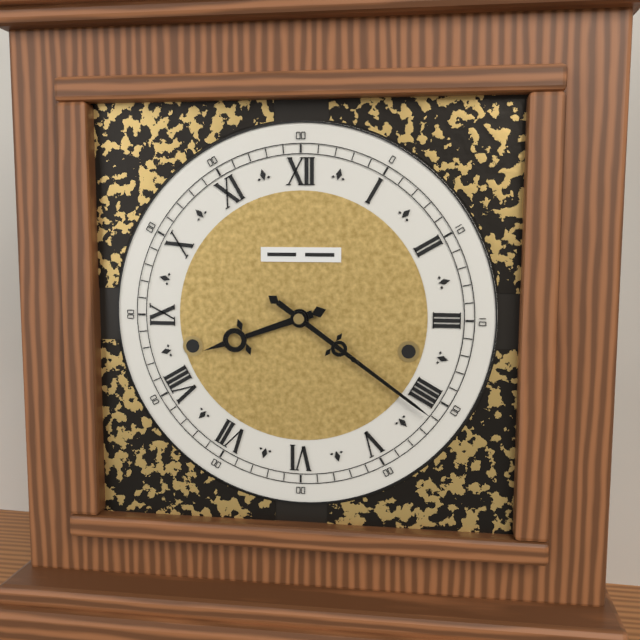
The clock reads 8:21
